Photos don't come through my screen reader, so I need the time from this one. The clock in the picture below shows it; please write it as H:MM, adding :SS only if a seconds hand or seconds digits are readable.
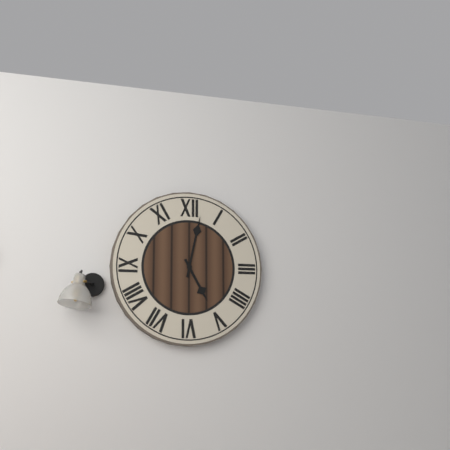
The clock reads 5:02
